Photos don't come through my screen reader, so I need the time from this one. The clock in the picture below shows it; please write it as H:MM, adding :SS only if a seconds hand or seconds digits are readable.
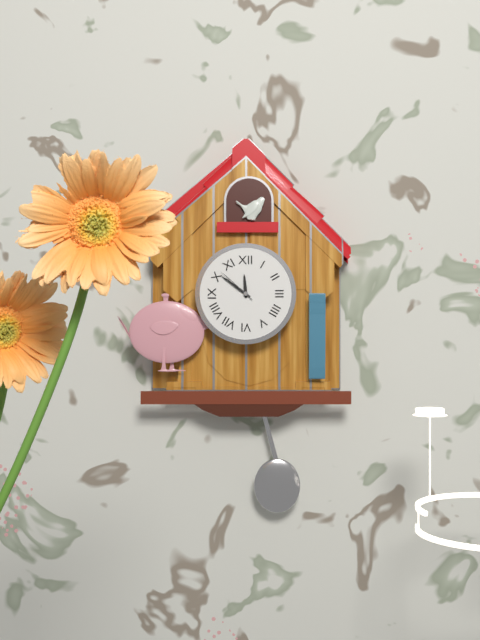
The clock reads 11:51
